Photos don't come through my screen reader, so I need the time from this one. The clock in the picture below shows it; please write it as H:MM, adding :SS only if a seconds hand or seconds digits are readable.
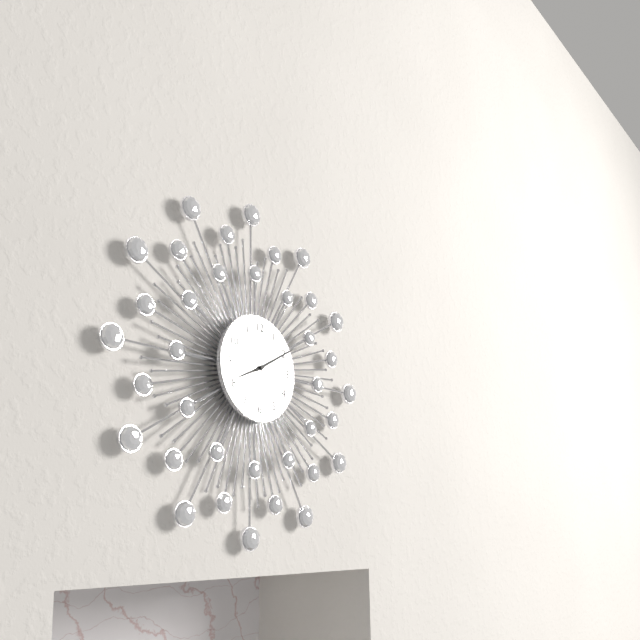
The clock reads 8:10:30
